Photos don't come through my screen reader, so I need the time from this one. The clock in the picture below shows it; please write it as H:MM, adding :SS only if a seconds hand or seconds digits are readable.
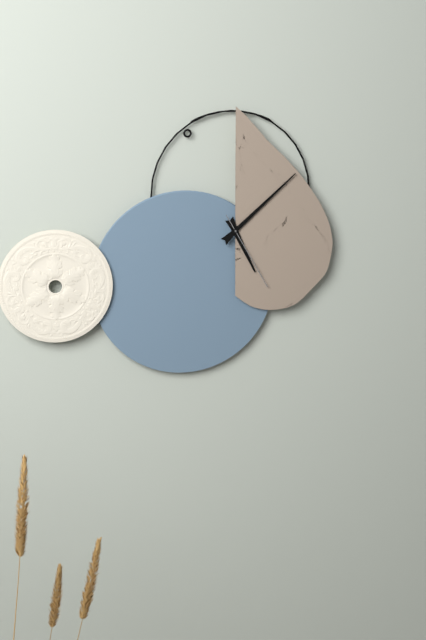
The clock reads 5:08:25
